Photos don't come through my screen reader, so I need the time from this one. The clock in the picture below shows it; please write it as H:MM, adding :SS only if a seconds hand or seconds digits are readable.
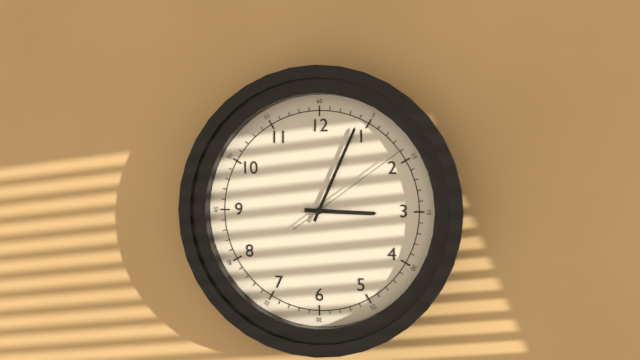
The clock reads 3:04:09
